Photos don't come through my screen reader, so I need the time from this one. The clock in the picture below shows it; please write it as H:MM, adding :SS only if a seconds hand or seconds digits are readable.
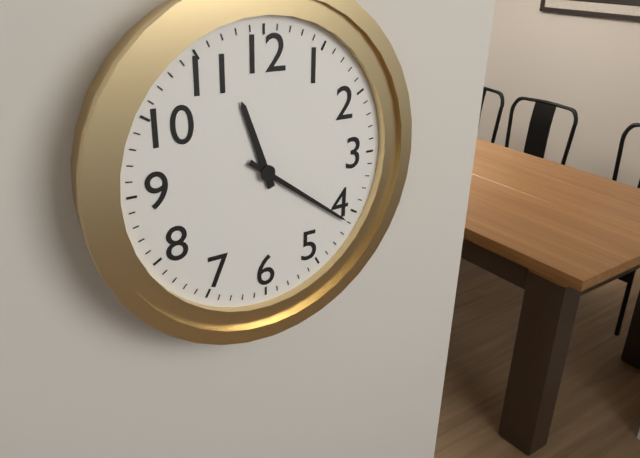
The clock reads 11:21
